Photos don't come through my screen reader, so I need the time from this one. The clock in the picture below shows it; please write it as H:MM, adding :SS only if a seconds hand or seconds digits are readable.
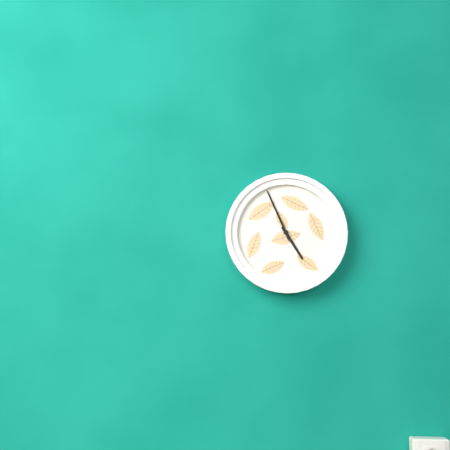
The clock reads 4:56
